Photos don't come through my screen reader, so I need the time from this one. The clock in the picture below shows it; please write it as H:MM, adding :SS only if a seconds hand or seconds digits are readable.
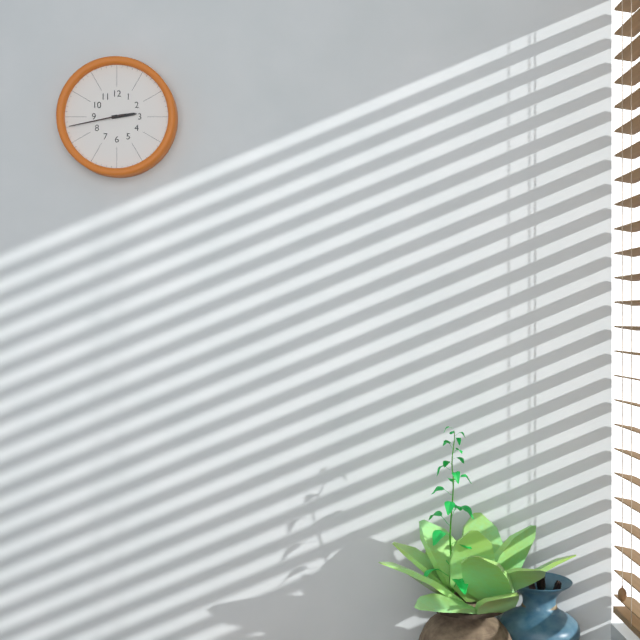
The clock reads 2:43
